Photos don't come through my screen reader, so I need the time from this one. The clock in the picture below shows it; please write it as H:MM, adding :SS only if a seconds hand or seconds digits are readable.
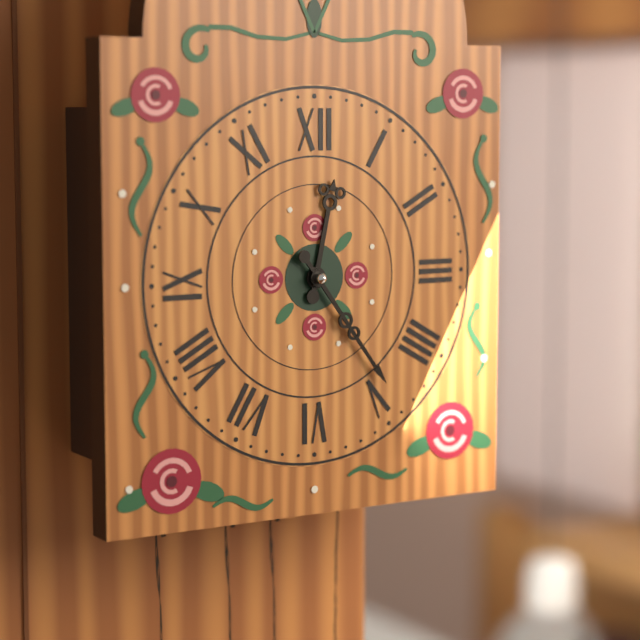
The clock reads 12:24
